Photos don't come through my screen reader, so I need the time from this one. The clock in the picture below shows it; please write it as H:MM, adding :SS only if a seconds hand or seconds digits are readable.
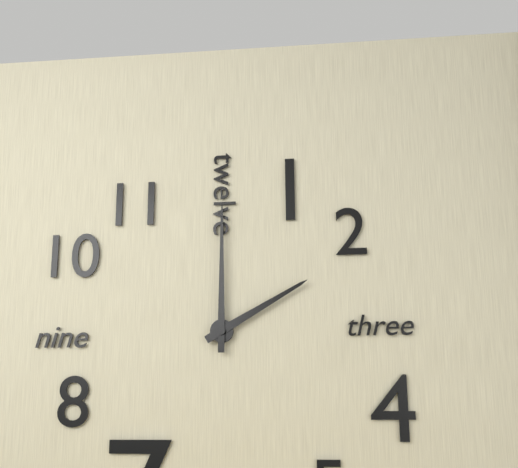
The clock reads 2:00
